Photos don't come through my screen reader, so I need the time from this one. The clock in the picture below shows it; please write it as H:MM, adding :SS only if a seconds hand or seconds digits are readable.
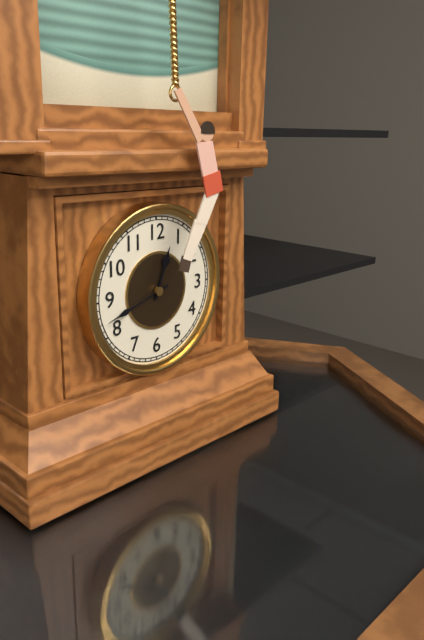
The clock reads 12:42
